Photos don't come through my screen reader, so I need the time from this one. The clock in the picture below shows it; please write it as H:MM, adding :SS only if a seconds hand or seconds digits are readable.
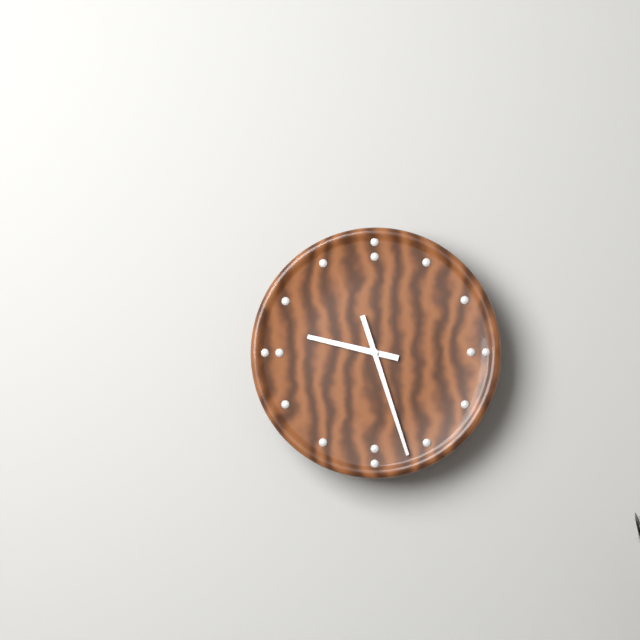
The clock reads 9:27
